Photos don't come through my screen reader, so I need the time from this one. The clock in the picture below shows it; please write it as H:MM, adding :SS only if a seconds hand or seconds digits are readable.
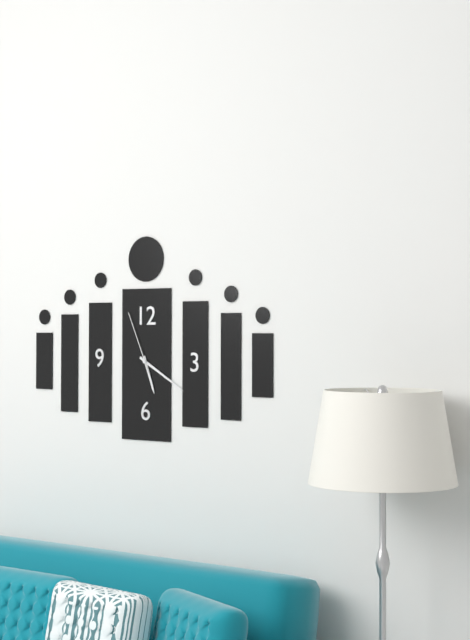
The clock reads 5:20:56
